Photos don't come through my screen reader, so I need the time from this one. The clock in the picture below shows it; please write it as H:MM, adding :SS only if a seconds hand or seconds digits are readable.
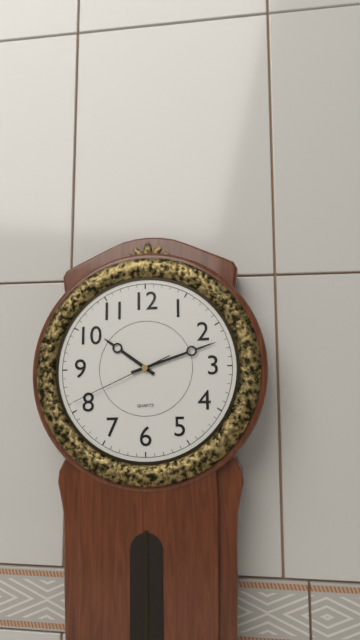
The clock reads 10:12:41
